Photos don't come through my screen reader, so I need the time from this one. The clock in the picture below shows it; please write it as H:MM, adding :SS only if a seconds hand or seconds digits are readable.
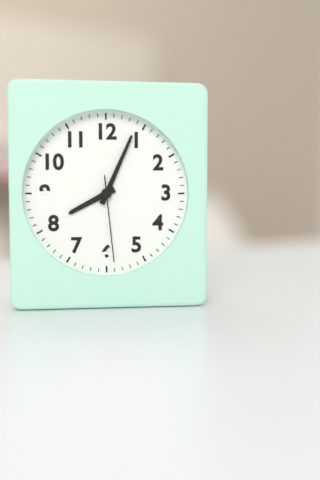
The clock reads 8:04:29
